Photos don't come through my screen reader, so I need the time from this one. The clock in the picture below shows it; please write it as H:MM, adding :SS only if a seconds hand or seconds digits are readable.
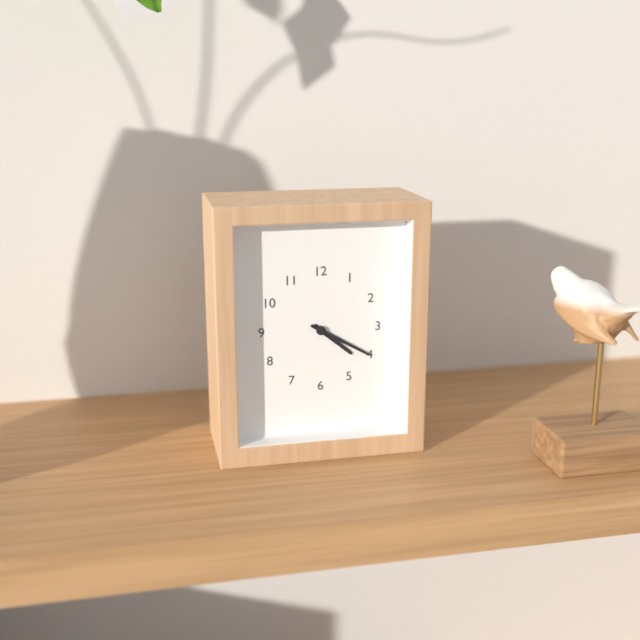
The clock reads 4:20
